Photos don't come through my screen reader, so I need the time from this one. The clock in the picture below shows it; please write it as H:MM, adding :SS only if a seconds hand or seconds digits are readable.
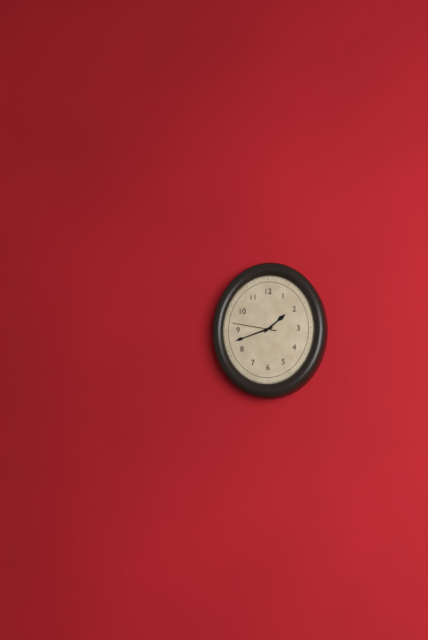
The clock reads 1:42
